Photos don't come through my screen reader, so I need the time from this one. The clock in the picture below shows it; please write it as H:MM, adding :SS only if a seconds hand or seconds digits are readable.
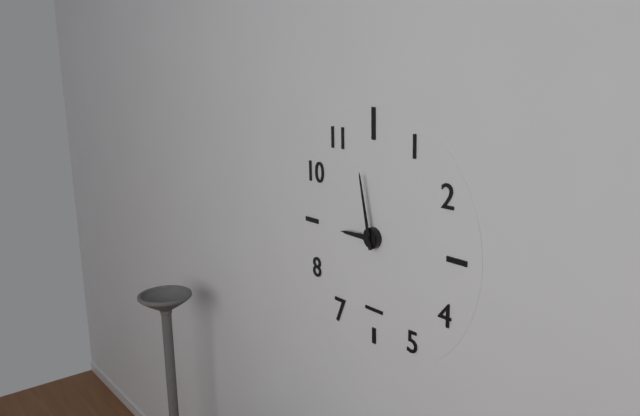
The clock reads 8:58
